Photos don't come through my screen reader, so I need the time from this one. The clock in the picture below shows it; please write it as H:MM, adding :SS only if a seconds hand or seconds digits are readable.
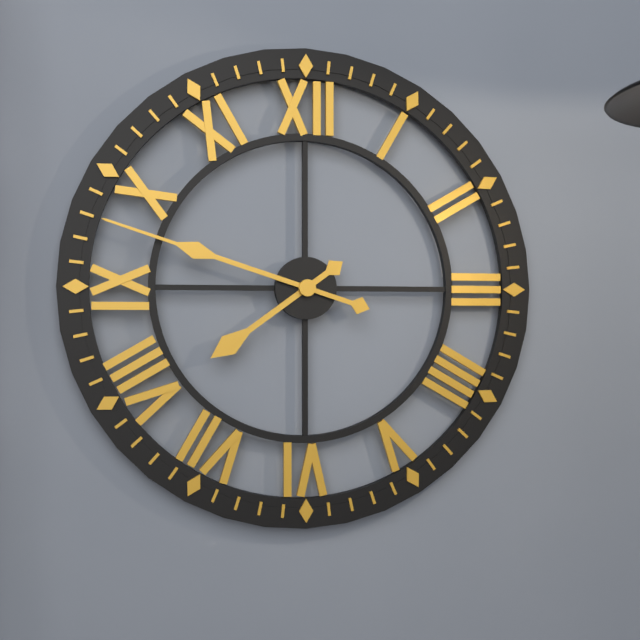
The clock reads 7:48
